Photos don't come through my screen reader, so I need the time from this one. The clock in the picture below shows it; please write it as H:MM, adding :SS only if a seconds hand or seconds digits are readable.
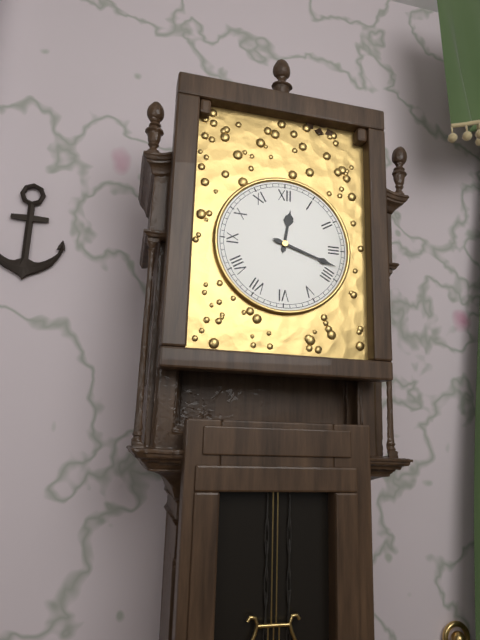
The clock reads 12:18
